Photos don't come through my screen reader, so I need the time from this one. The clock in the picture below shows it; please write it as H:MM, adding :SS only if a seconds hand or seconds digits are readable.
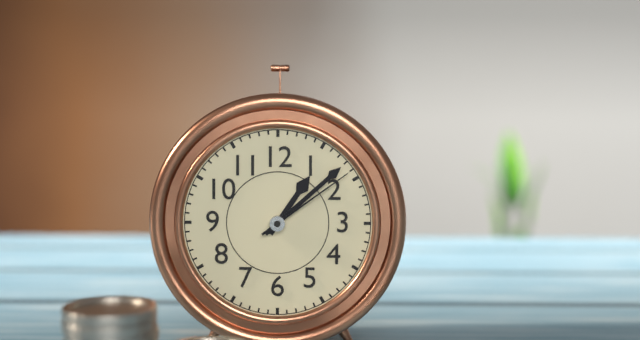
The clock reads 1:08:09
